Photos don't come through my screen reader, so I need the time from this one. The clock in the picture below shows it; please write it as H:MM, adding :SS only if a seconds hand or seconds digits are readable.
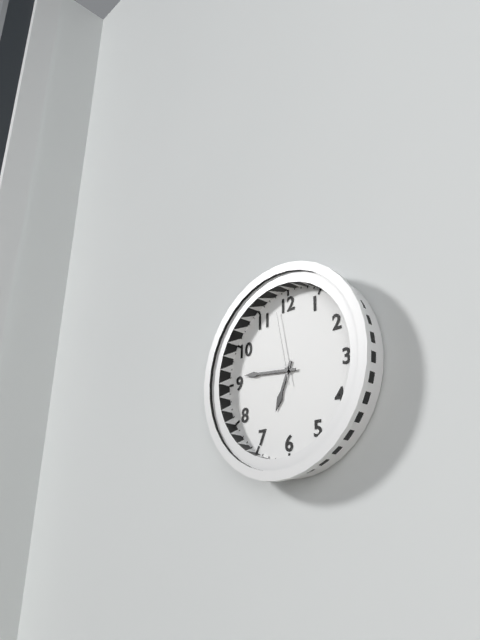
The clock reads 6:46:58
